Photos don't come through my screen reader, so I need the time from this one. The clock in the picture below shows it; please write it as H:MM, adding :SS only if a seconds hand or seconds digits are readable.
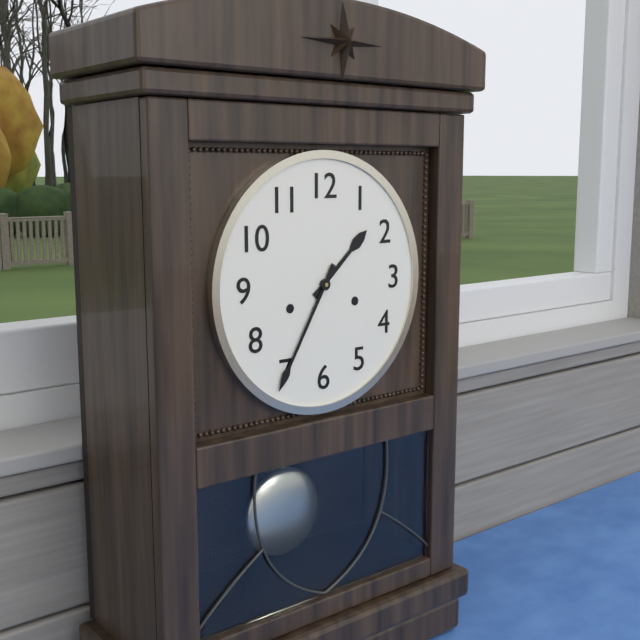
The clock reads 1:35
